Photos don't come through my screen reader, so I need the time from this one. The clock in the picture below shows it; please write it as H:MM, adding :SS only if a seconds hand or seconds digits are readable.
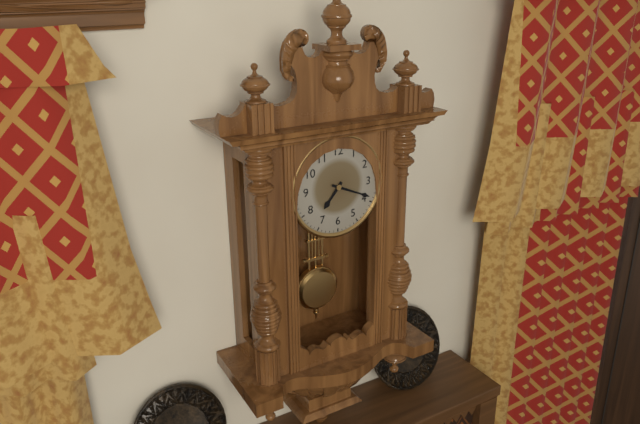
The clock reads 7:19
